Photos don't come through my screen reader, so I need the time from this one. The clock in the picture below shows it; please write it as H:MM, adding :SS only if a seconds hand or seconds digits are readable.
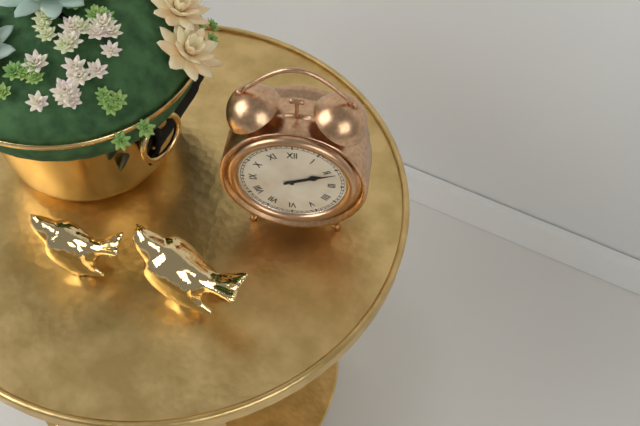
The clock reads 2:11
